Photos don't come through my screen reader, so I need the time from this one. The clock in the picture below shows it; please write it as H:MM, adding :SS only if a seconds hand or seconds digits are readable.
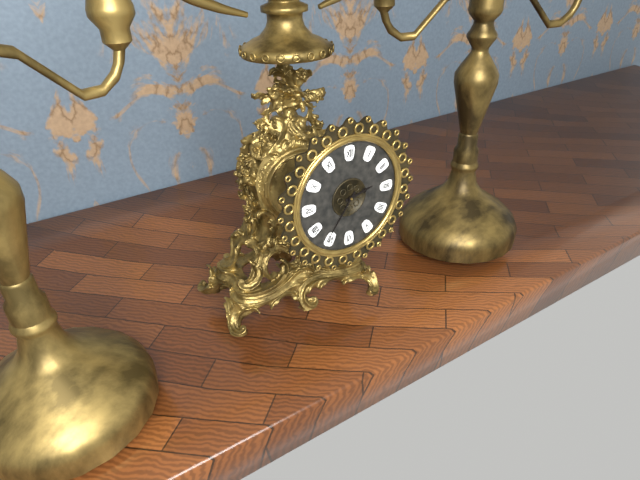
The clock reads 2:36
